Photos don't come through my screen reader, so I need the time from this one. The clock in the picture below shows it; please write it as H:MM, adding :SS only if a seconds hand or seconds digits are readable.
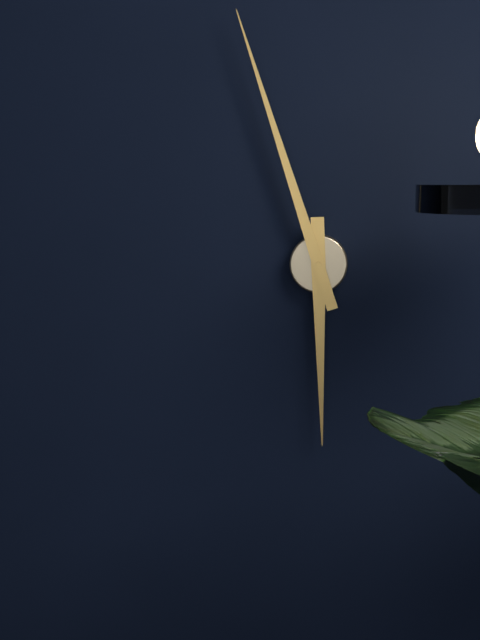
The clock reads 5:57
